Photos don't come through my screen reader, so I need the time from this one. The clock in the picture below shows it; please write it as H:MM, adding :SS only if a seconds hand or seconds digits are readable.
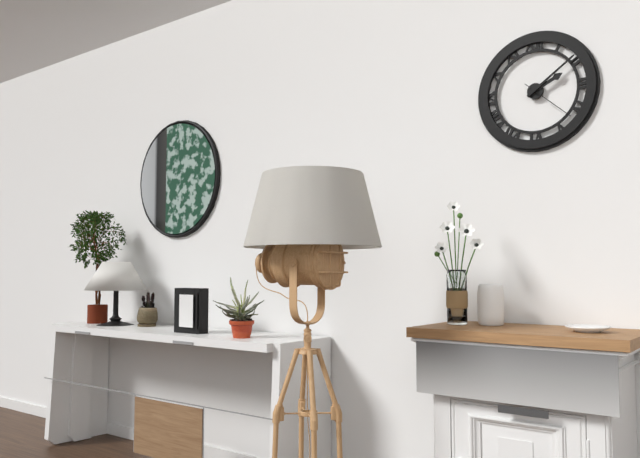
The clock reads 2:09:22
